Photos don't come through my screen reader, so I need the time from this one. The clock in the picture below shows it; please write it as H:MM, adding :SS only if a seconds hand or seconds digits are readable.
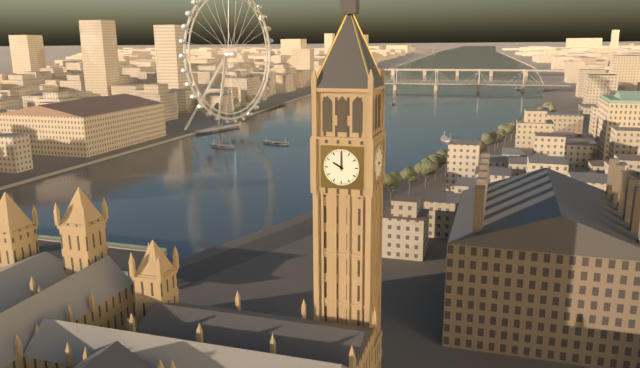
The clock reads 10:00
